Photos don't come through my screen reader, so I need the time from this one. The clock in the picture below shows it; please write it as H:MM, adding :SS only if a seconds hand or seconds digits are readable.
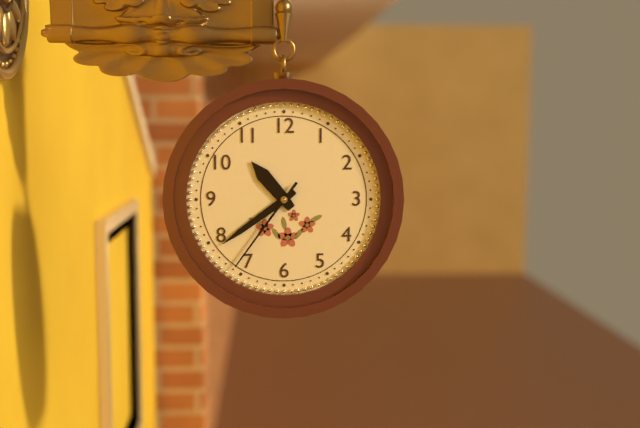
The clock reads 10:39:36
